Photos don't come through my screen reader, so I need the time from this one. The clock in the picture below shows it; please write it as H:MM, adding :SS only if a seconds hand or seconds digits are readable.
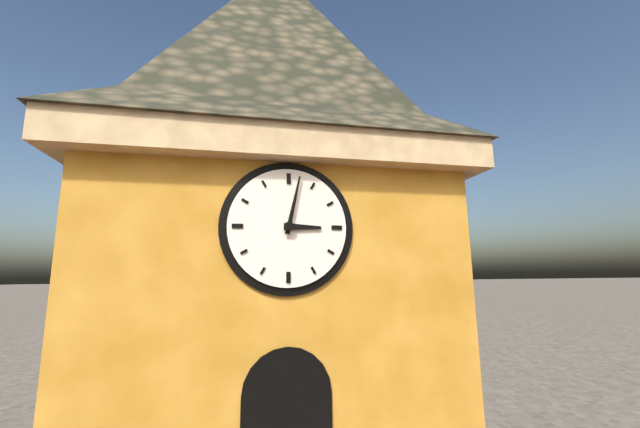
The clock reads 3:02
